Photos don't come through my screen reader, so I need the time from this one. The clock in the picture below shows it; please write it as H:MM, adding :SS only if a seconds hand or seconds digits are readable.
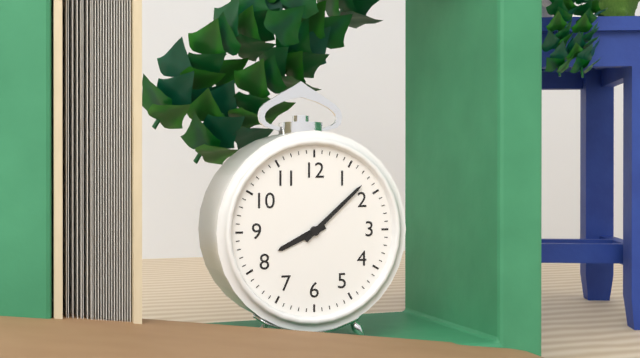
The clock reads 8:08
